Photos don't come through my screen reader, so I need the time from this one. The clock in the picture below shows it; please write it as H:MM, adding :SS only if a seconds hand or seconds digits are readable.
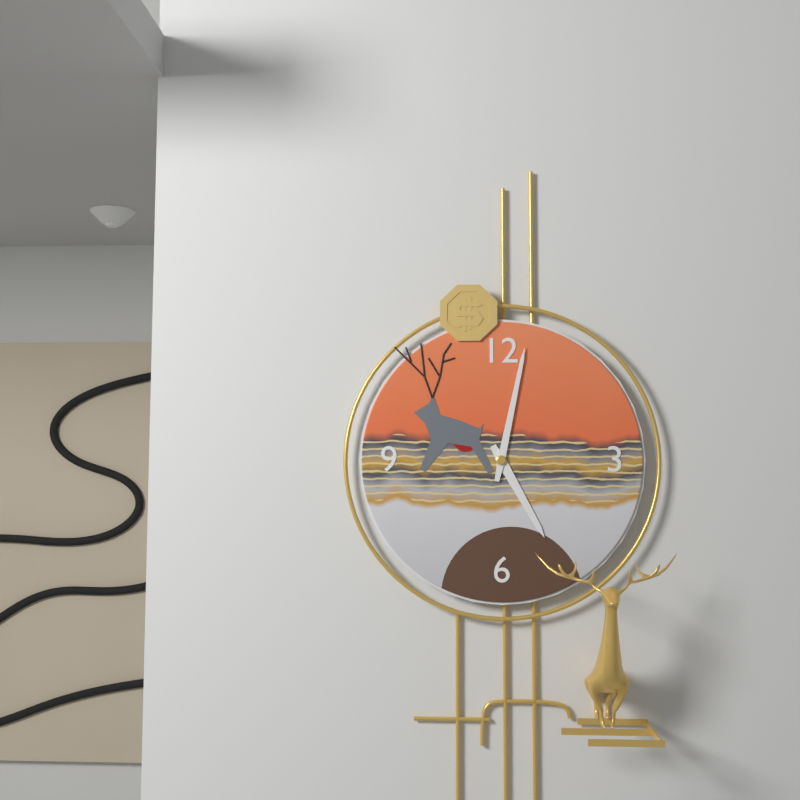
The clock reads 5:02
